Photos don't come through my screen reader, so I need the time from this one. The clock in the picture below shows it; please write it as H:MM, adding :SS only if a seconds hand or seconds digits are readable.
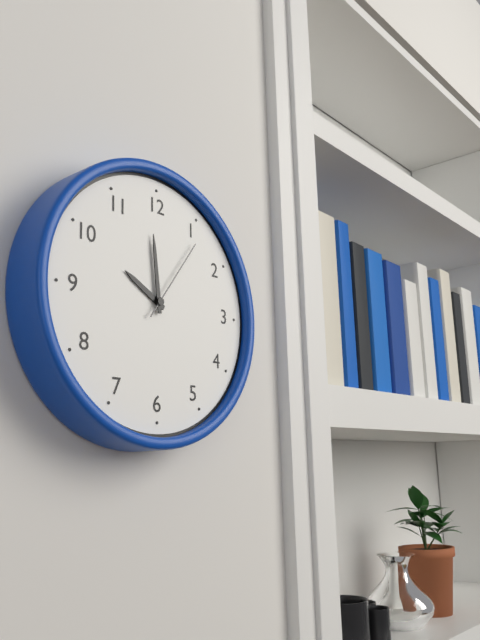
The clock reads 9:59:06
